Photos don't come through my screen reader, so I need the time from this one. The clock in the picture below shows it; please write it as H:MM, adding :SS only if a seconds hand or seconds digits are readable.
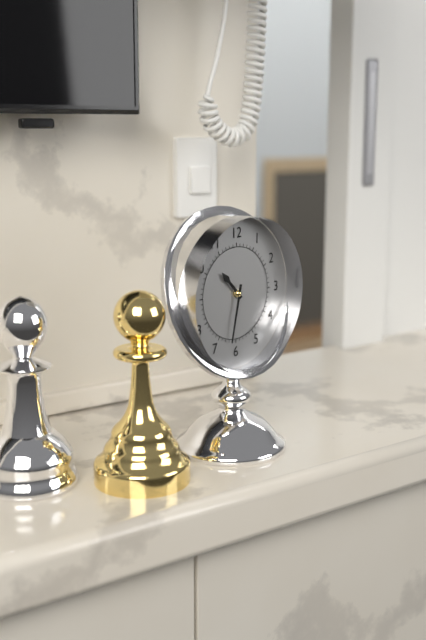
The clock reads 10:32
